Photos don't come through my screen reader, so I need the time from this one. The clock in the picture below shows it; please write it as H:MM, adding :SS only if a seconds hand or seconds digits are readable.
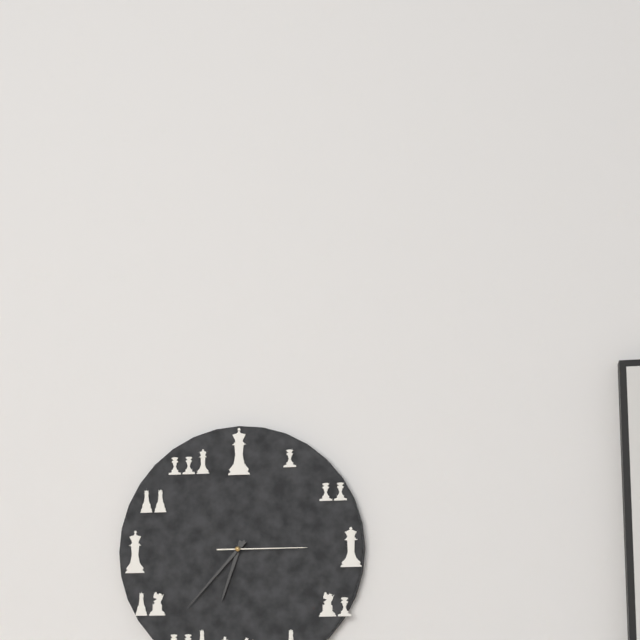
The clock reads 6:37:15
